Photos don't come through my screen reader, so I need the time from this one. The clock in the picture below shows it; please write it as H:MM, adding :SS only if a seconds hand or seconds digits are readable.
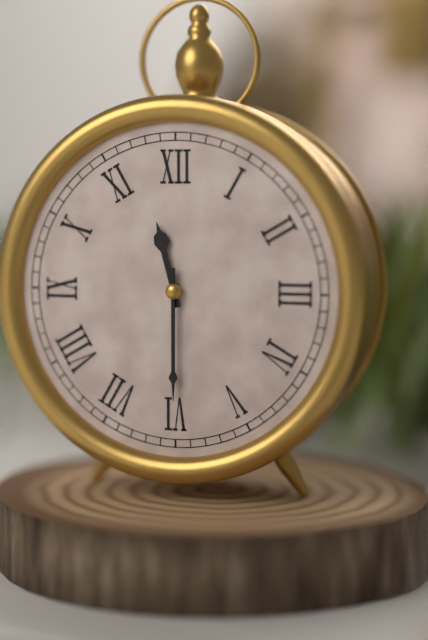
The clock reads 11:30
